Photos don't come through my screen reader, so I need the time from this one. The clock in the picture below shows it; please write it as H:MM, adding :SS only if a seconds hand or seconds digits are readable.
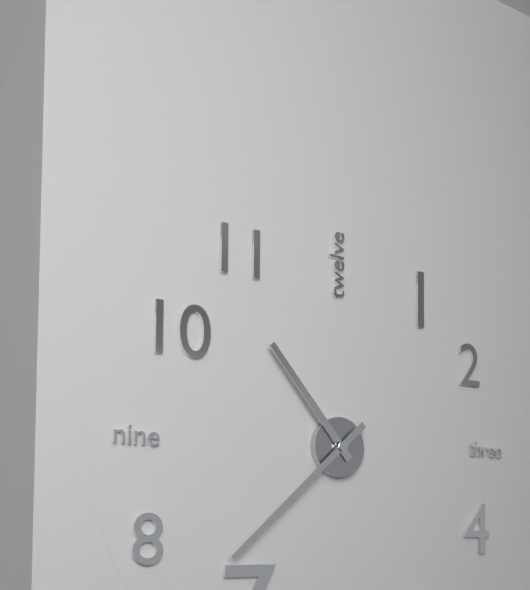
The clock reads 10:38
